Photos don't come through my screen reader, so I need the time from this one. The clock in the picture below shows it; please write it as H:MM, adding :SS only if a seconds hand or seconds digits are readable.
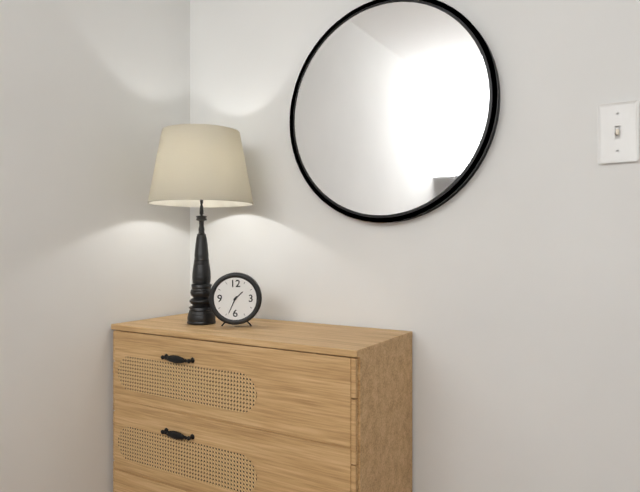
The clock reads 1:34
